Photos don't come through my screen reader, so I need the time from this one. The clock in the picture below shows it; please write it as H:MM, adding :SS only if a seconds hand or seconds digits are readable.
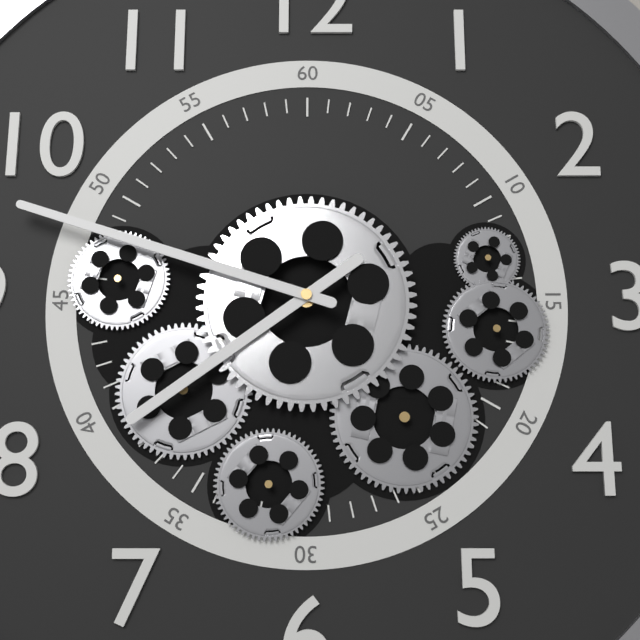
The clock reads 7:48
